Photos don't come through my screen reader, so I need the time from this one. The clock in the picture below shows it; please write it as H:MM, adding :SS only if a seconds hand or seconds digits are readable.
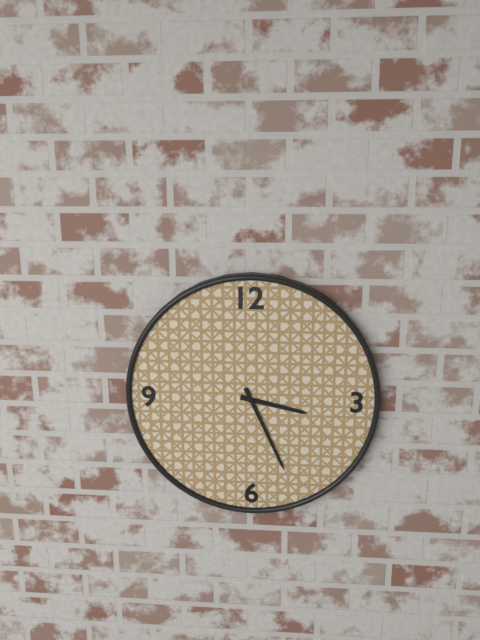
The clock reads 3:26
